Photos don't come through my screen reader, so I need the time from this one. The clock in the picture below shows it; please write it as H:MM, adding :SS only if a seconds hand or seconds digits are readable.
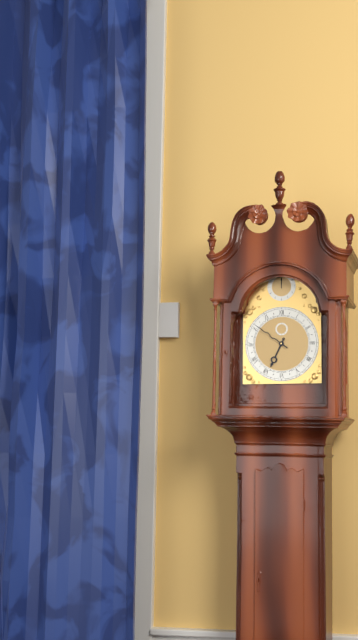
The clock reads 6:51
